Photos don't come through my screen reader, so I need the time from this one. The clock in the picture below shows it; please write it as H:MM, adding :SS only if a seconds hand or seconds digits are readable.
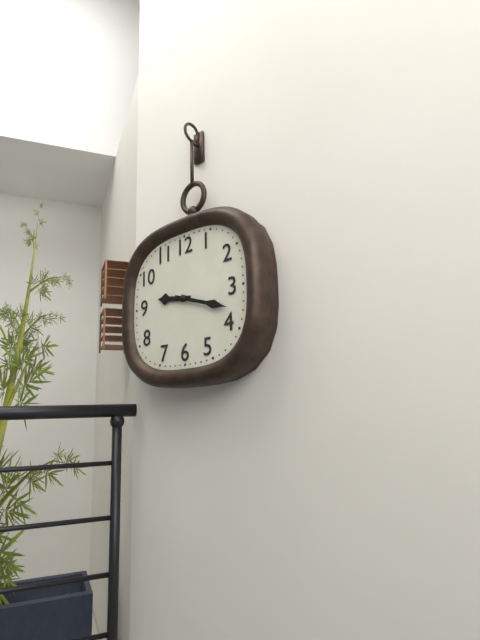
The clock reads 9:18
